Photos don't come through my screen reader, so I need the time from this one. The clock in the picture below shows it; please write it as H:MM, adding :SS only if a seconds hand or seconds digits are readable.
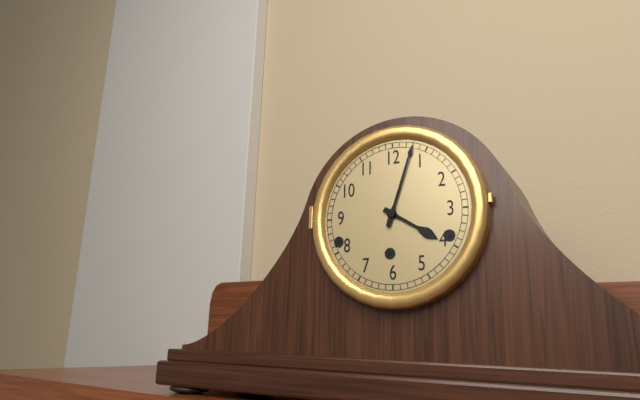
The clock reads 4:03
